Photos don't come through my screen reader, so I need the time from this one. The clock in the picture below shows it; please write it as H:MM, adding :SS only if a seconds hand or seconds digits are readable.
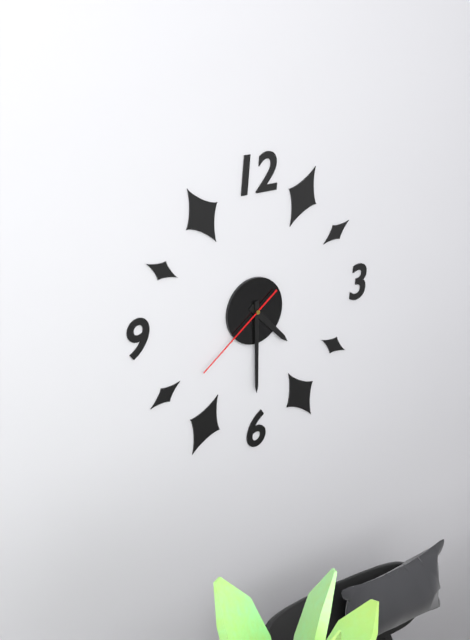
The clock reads 4:30:39
